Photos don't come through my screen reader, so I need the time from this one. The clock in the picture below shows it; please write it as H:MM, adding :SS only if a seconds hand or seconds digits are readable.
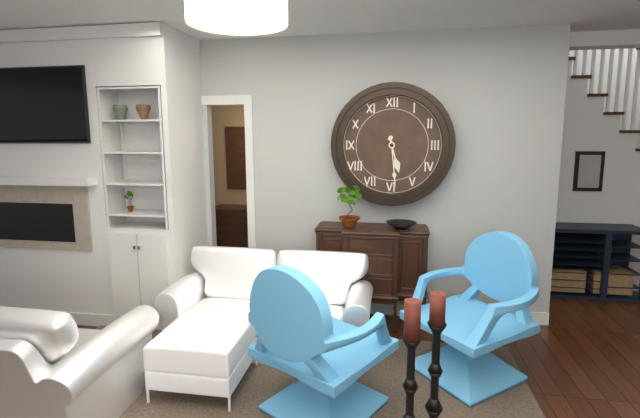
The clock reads 5:29
